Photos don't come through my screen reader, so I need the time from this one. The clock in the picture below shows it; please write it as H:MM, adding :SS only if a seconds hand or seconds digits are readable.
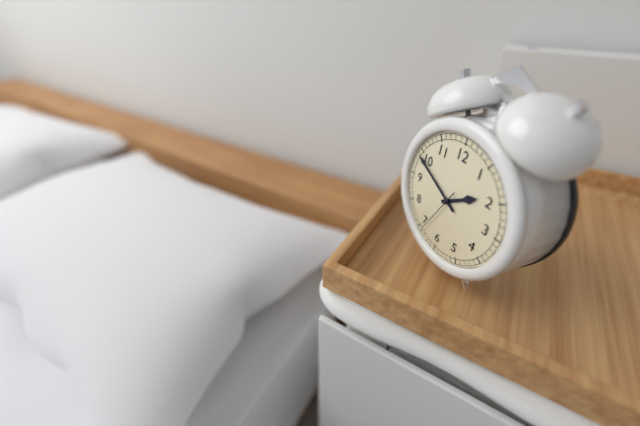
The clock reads 1:49
